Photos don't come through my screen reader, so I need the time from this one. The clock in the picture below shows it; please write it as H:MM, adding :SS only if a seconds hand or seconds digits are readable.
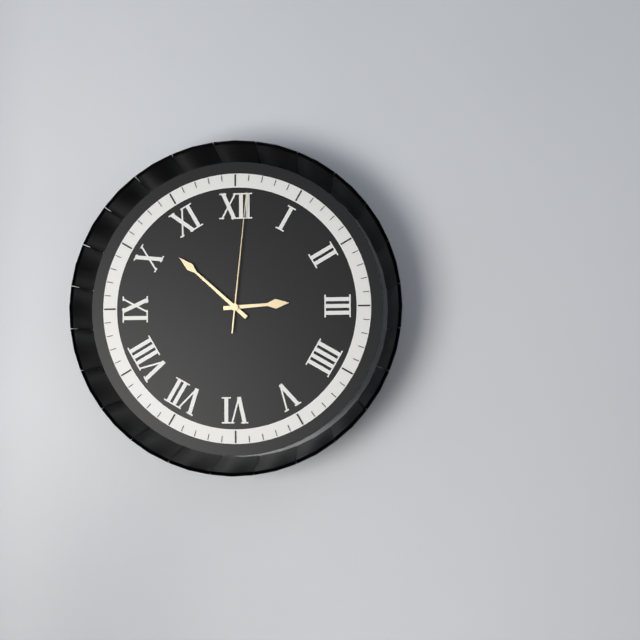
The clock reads 2:52:01
